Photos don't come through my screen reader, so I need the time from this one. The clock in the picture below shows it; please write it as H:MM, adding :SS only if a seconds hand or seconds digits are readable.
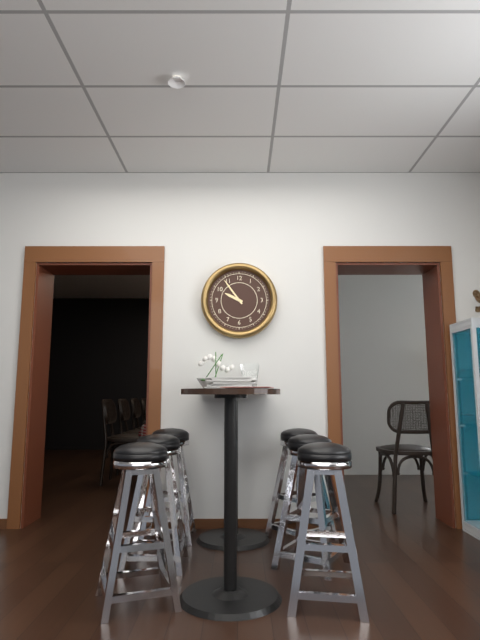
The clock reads 9:54
